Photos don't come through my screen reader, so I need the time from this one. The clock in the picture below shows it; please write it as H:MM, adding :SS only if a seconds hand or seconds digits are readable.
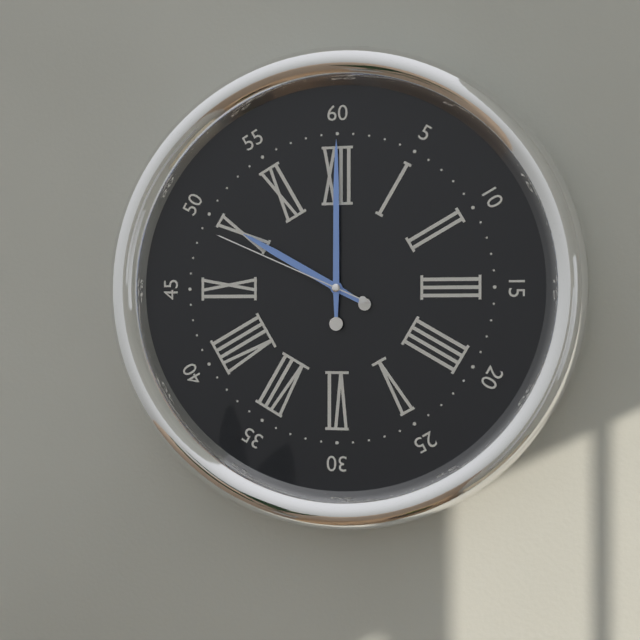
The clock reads 10:00:49
